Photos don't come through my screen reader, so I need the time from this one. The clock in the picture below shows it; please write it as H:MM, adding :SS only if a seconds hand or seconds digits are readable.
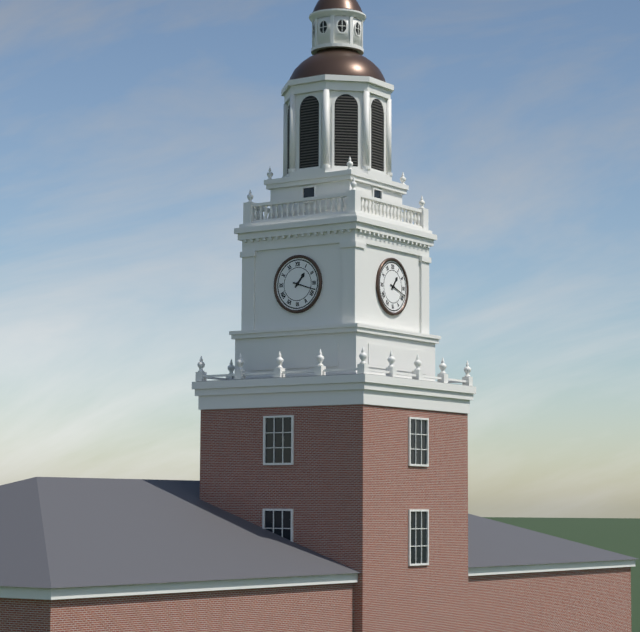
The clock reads 1:18
